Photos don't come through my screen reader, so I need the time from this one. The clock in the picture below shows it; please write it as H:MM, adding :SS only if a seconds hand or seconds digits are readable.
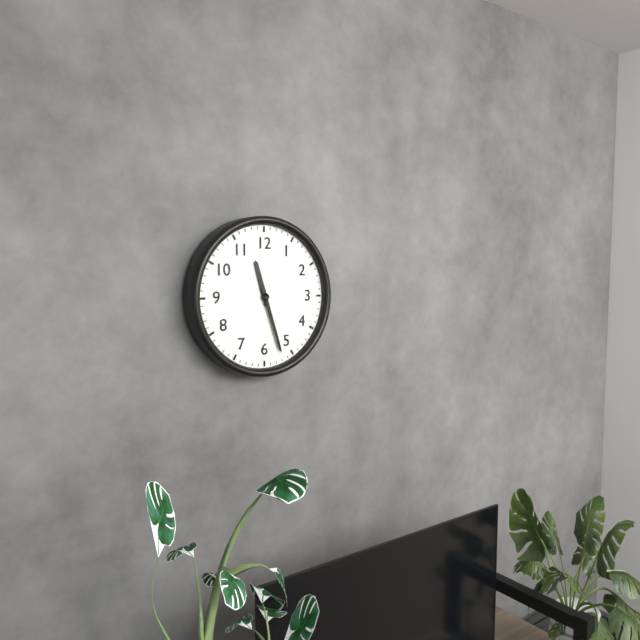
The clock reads 11:27
